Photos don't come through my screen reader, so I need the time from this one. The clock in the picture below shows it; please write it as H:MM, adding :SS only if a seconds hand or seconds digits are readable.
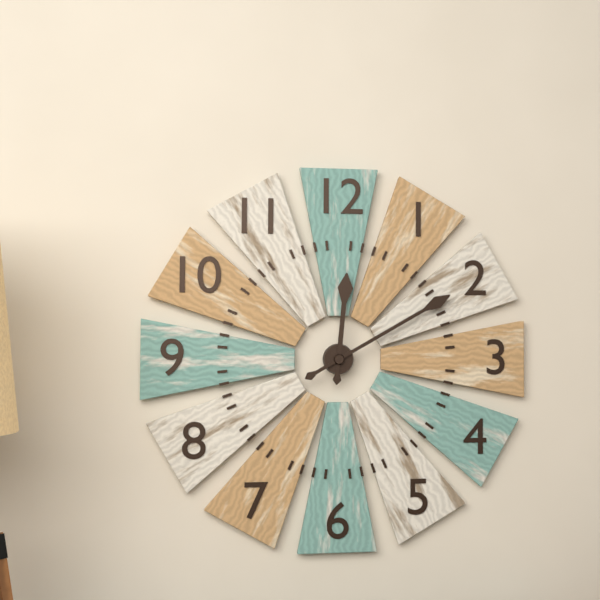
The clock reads 12:10
